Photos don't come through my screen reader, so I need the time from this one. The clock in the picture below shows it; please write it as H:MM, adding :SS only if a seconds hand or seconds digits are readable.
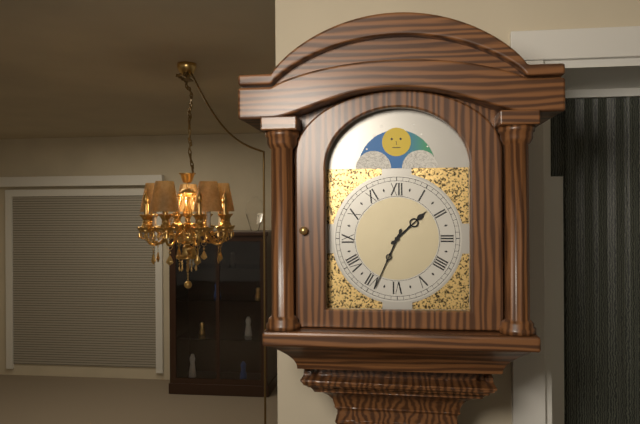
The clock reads 1:34
